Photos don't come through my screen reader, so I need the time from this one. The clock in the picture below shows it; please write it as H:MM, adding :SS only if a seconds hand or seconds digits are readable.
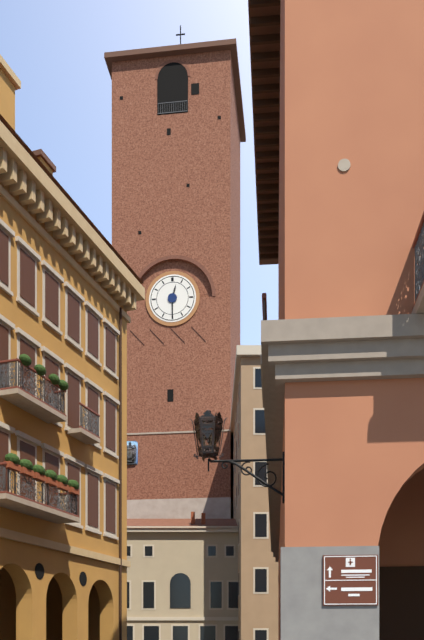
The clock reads 12:30
